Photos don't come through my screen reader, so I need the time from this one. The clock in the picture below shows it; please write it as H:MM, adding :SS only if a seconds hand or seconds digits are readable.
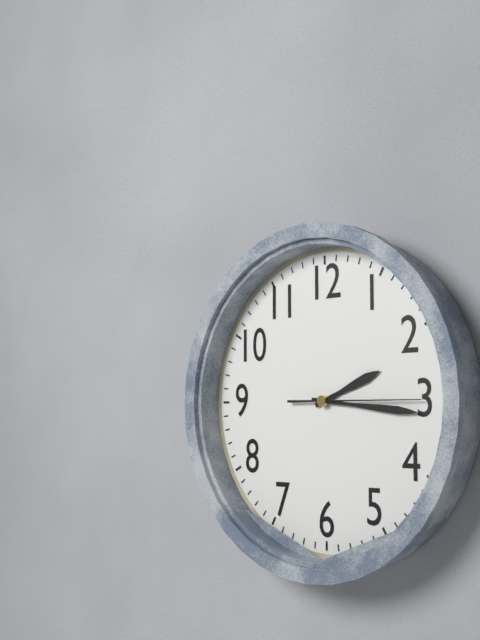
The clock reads 2:16:15
